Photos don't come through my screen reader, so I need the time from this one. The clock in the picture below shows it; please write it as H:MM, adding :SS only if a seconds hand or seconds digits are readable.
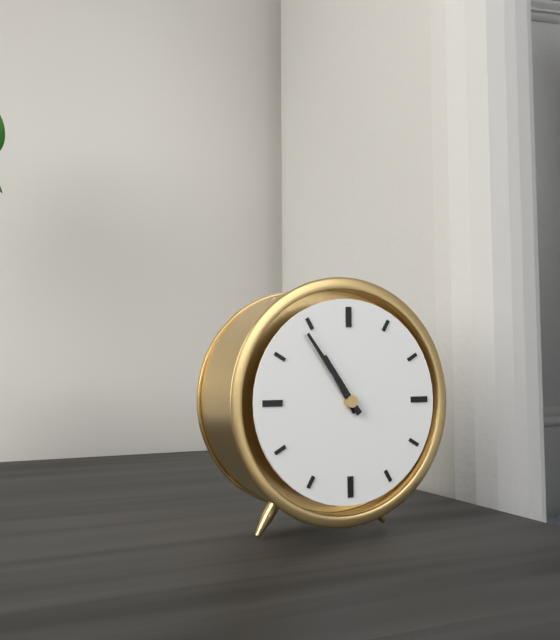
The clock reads 10:54
